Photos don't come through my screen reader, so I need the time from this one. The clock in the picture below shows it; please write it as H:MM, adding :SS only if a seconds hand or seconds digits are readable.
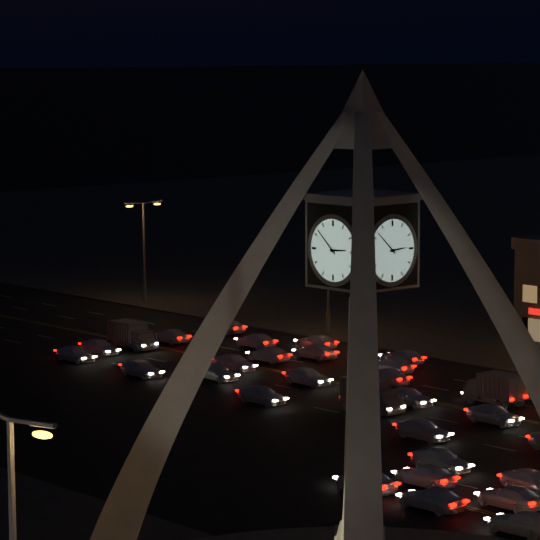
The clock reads 2:52
